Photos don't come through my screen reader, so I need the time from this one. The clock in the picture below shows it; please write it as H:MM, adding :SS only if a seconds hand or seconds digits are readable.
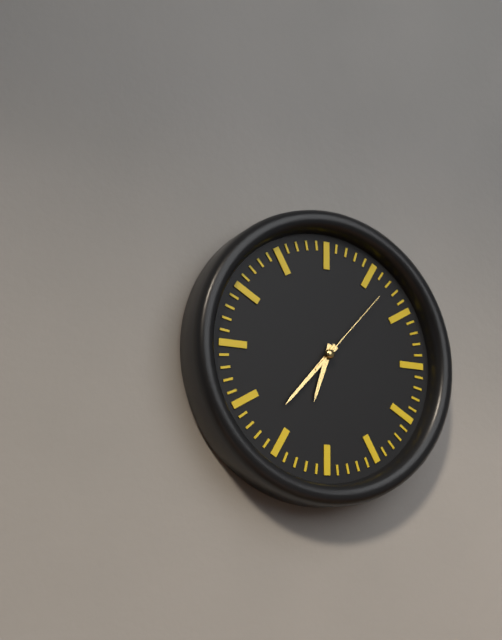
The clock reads 6:37:07
